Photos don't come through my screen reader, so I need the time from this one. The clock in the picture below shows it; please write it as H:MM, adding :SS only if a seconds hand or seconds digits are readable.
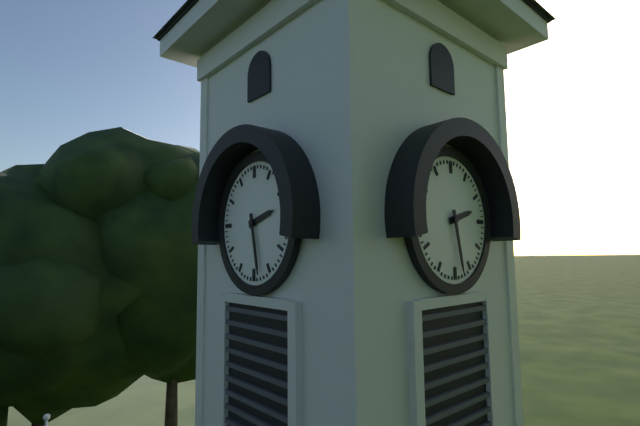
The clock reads 2:28
